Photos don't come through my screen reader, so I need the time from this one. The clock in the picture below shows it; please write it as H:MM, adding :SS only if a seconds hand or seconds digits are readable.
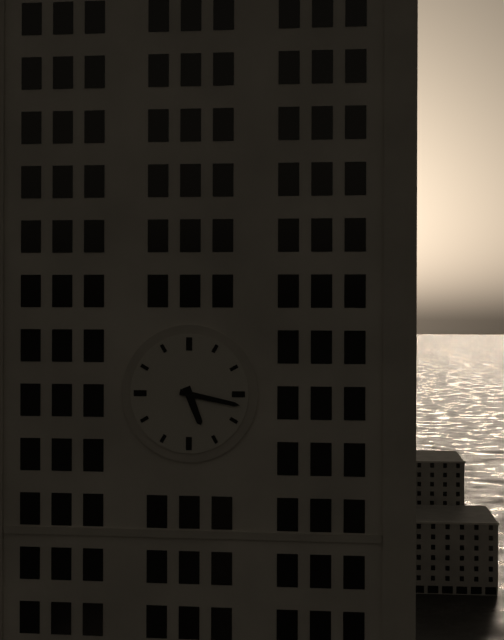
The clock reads 5:17
